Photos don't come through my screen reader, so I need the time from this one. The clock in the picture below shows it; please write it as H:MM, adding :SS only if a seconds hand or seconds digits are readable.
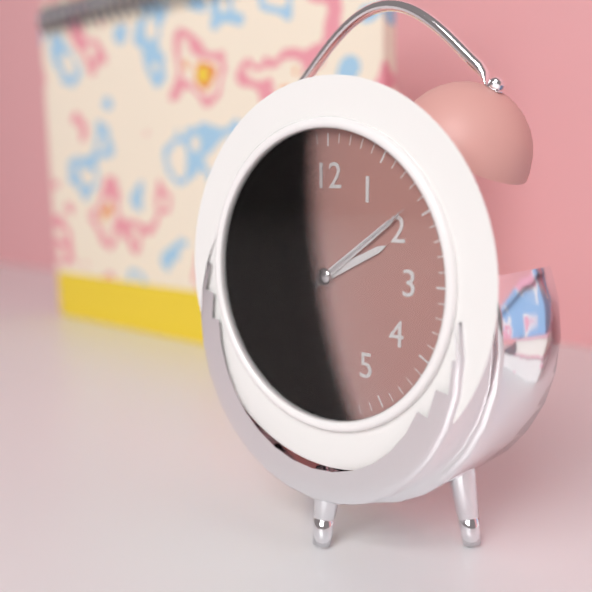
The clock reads 2:09:09
